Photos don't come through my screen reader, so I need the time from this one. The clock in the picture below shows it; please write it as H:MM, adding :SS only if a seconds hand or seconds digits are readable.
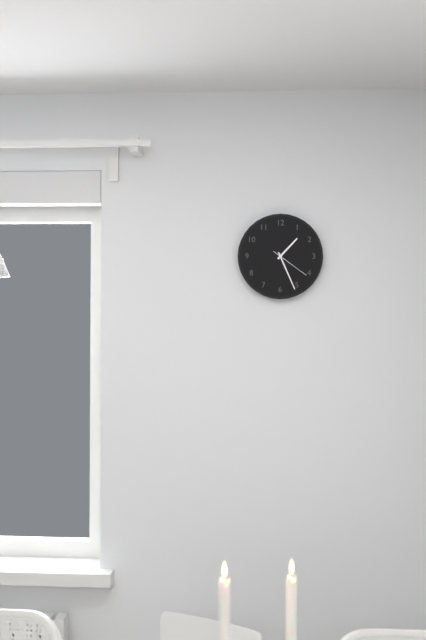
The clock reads 1:26
